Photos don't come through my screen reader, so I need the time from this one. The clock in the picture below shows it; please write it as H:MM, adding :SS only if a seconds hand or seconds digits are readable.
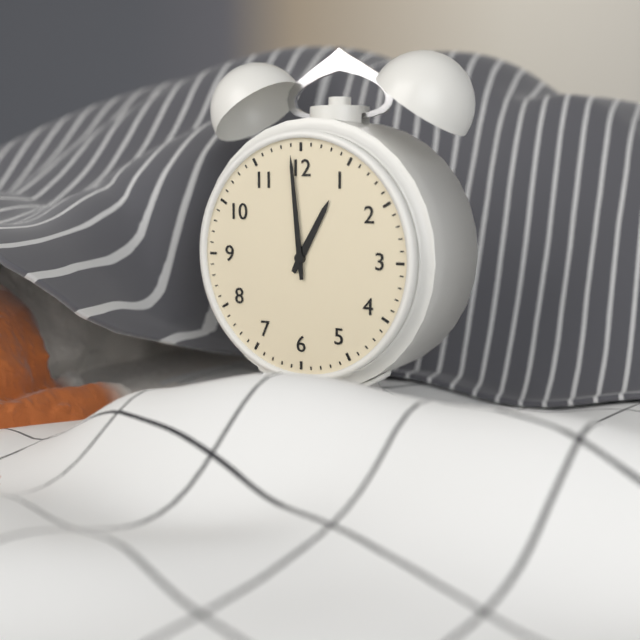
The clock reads 12:59
